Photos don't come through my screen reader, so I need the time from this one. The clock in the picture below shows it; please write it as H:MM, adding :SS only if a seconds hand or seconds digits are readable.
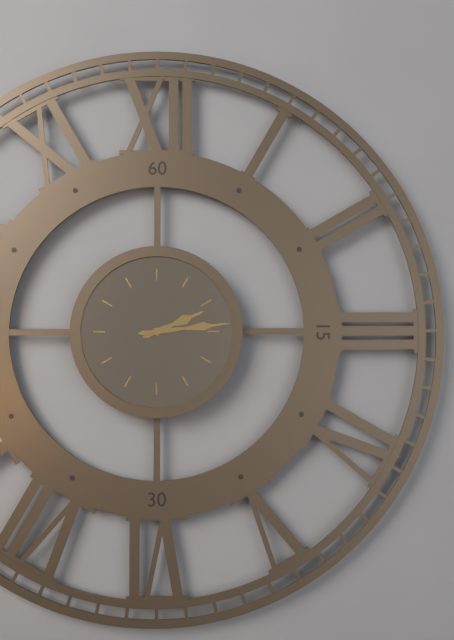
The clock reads 2:14
